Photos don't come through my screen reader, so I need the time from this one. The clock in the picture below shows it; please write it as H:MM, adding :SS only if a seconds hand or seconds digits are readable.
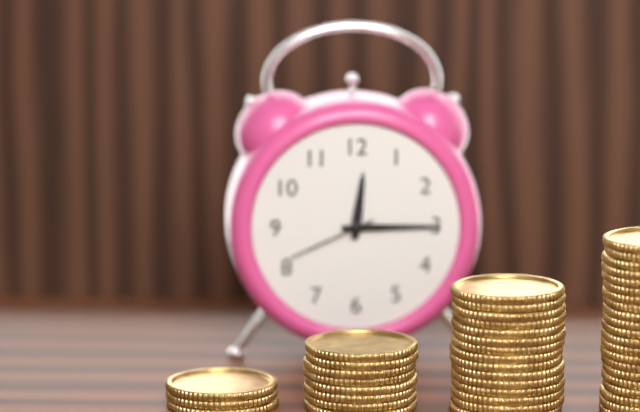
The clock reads 12:15:41
